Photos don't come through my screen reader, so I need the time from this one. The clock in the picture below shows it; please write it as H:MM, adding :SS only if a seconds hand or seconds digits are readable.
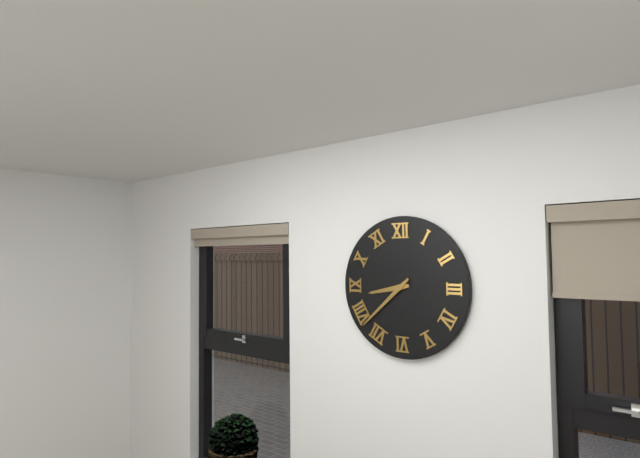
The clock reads 8:38
